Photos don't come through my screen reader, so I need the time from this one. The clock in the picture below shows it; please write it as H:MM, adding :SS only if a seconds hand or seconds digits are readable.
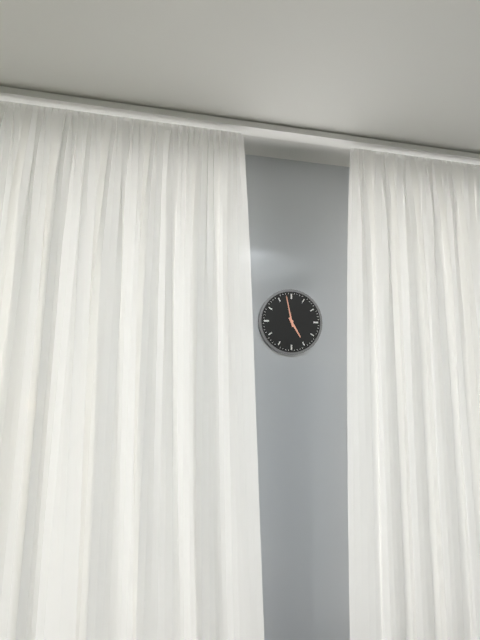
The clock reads 4:58
